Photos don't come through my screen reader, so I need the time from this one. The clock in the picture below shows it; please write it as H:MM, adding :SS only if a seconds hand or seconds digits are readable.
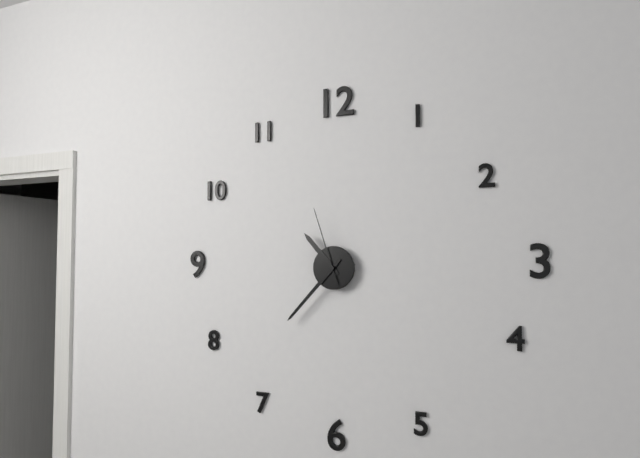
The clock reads 10:37:57
